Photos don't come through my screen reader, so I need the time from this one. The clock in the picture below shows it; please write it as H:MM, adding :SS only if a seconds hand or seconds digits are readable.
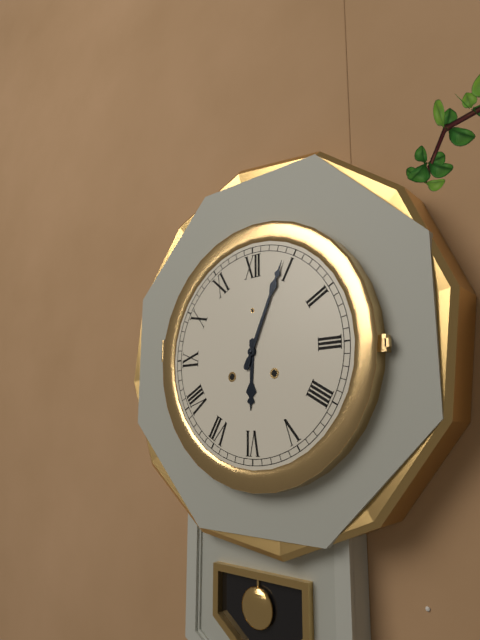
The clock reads 6:04
